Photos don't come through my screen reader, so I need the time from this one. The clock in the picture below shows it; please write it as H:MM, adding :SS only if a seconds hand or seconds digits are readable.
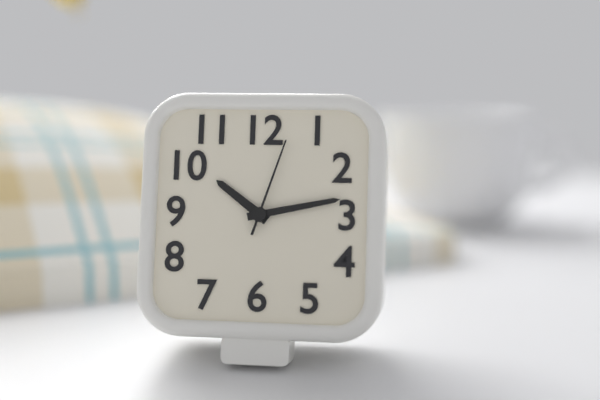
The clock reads 10:13:03
